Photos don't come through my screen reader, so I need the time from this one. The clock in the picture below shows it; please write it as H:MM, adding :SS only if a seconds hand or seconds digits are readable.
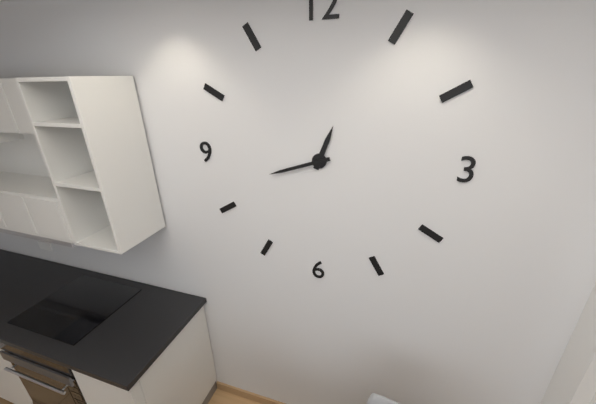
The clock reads 12:42
